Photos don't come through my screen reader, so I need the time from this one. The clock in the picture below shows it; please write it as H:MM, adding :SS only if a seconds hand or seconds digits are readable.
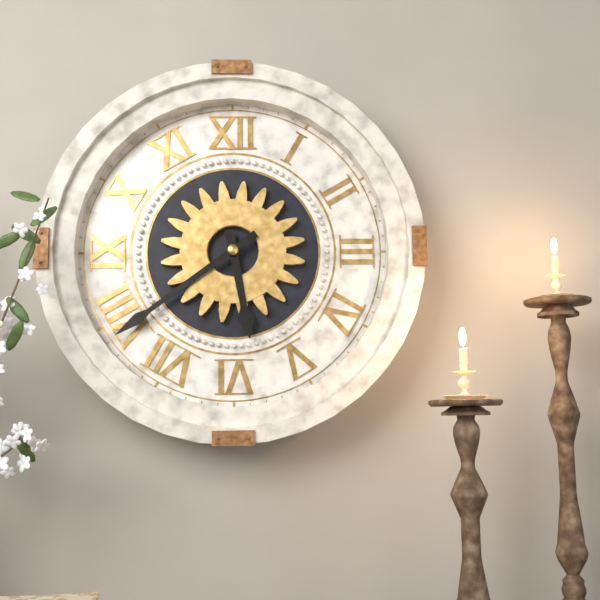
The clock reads 5:39
